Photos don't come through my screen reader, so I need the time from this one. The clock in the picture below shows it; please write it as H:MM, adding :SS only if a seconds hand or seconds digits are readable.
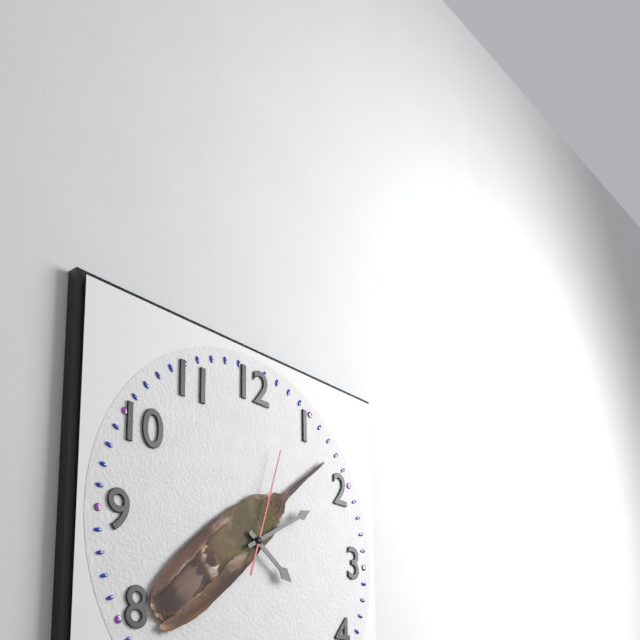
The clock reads 4:10:03
